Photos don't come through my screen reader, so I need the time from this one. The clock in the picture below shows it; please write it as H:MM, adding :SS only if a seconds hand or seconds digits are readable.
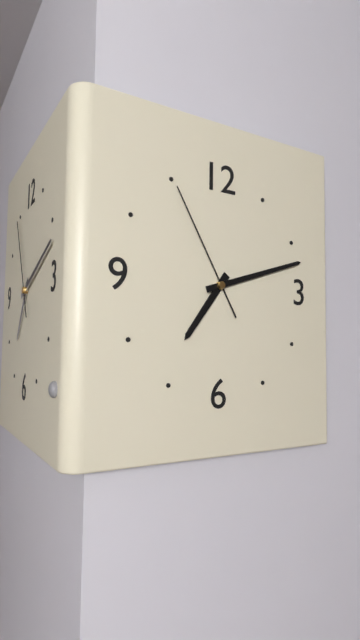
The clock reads 7:12:55
